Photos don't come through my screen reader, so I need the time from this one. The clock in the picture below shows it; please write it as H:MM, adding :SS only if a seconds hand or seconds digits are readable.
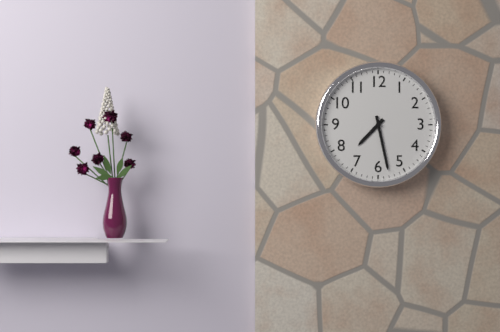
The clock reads 7:28
